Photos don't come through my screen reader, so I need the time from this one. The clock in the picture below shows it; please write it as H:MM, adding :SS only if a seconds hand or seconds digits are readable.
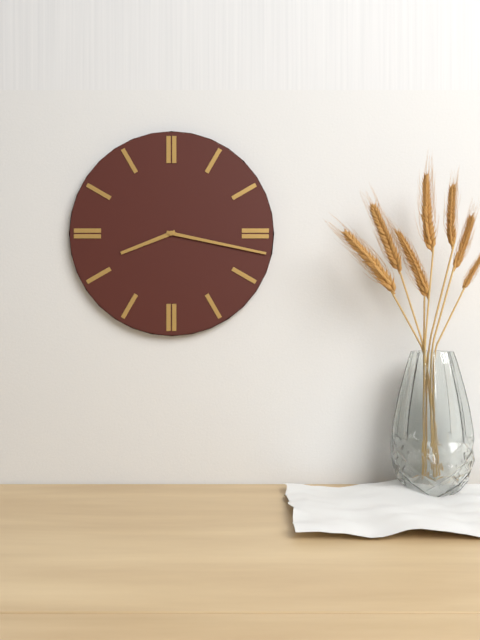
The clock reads 8:17
